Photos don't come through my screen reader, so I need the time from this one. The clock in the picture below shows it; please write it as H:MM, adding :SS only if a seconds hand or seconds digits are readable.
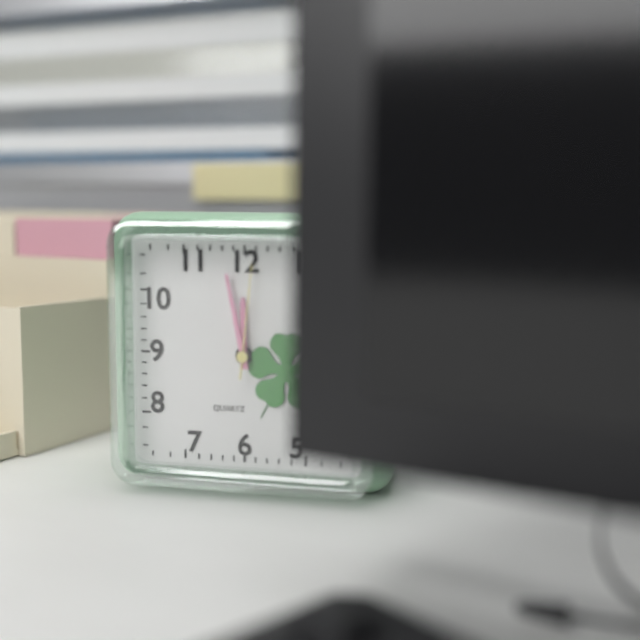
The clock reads 11:58:01
